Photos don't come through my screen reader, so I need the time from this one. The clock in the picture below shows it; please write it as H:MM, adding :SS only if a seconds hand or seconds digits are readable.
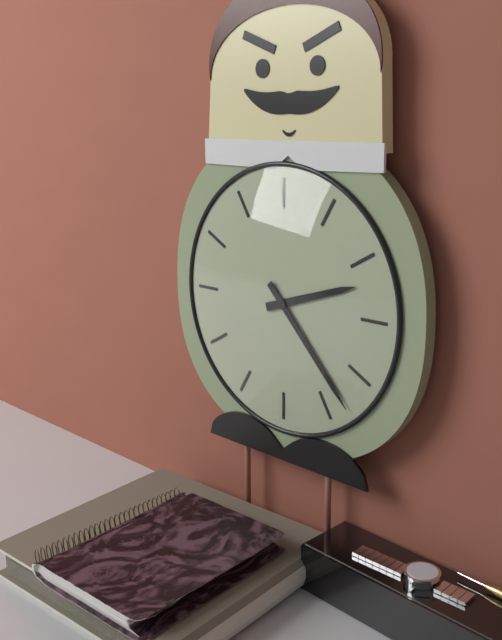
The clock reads 2:23
